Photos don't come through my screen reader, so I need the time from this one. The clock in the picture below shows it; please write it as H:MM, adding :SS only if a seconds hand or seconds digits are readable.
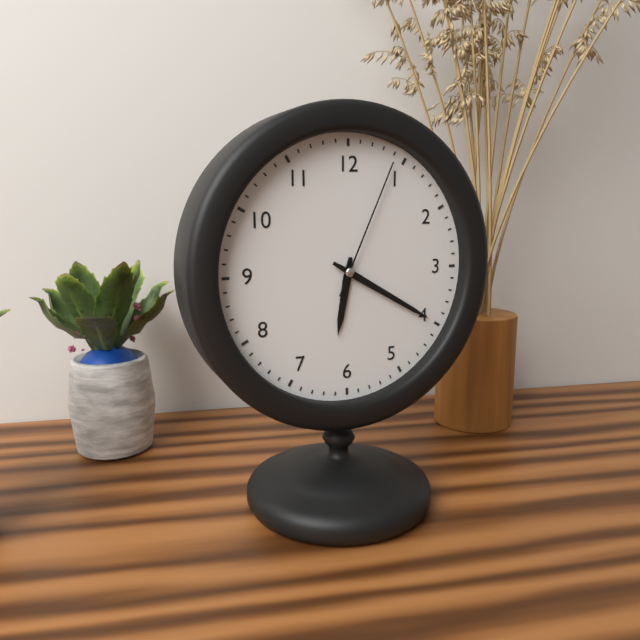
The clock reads 6:20:04
